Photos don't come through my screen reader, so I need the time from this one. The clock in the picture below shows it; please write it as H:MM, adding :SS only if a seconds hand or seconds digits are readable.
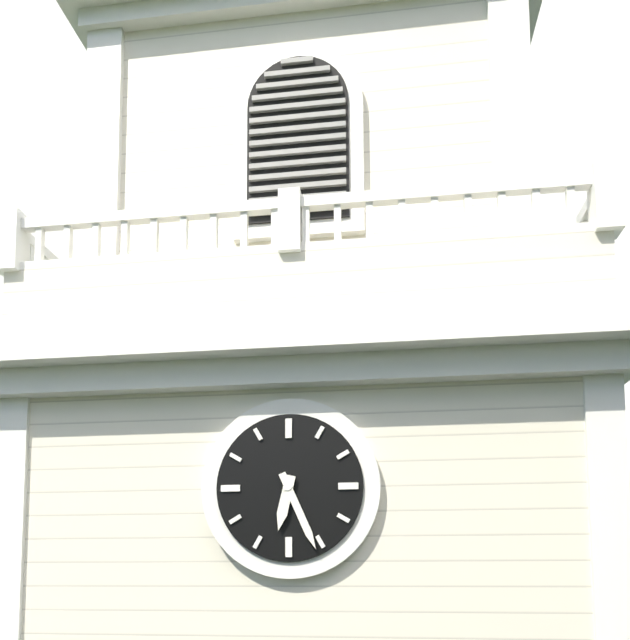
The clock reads 6:26
